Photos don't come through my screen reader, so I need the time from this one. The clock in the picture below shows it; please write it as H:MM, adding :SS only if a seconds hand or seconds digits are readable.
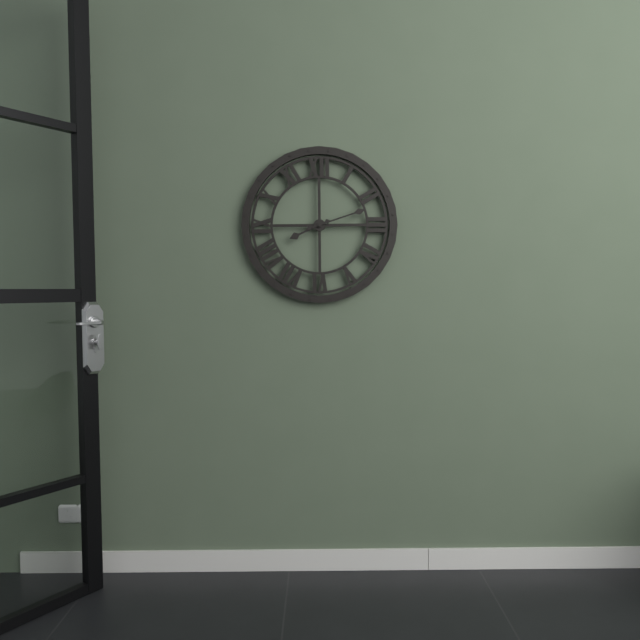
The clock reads 8:12
